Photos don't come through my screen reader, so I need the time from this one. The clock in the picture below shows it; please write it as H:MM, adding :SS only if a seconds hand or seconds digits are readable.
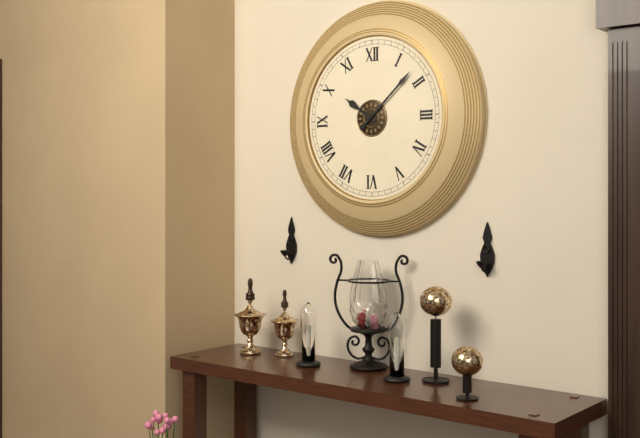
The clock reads 10:08
